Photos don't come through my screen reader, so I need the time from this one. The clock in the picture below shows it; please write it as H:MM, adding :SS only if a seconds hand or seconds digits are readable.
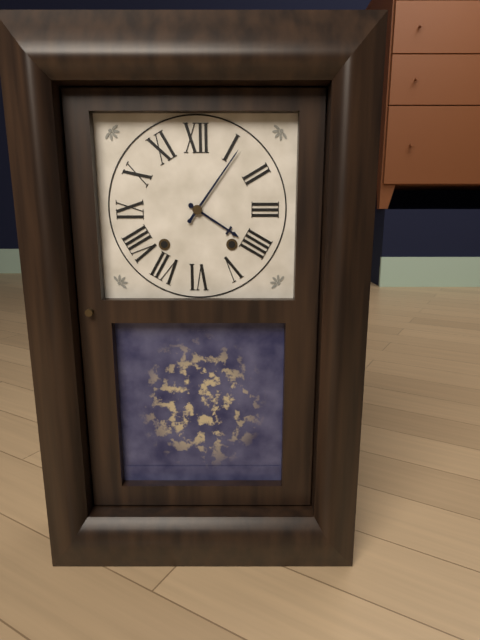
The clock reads 4:06
